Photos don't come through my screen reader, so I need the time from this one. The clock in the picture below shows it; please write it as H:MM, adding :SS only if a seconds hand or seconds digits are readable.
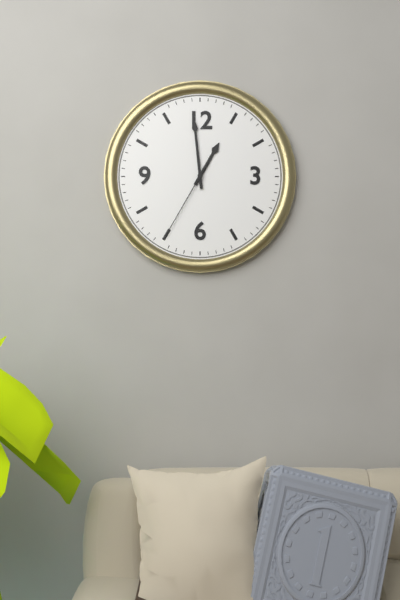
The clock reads 12:59:35
